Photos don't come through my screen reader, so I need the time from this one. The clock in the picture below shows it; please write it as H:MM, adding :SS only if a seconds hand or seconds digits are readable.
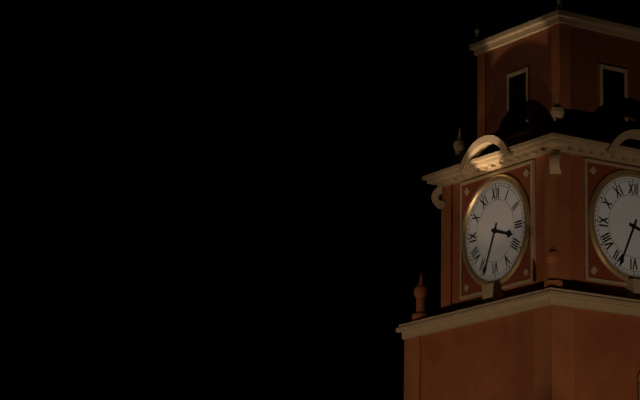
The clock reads 3:34
